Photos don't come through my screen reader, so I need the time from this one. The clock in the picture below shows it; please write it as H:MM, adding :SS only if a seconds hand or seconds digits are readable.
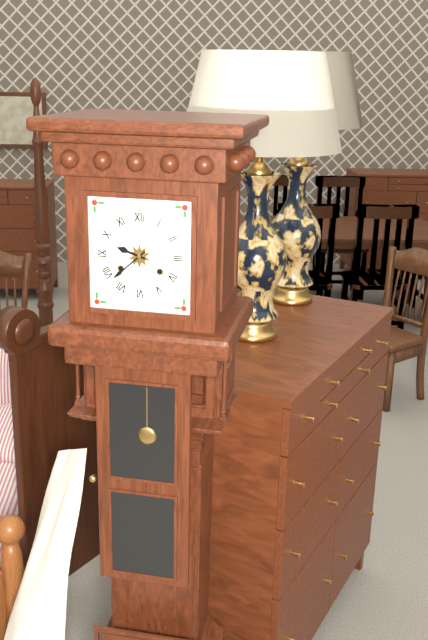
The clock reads 9:38
